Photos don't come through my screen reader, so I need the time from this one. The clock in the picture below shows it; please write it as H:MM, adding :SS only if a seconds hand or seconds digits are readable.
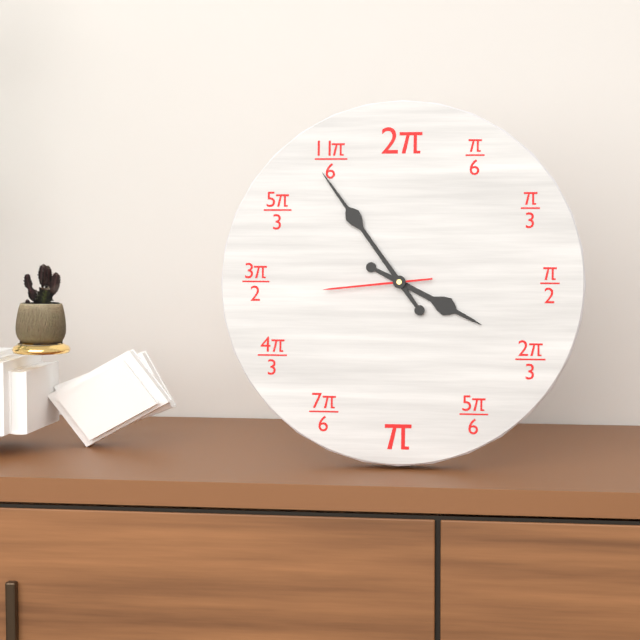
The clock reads 3:54:44
